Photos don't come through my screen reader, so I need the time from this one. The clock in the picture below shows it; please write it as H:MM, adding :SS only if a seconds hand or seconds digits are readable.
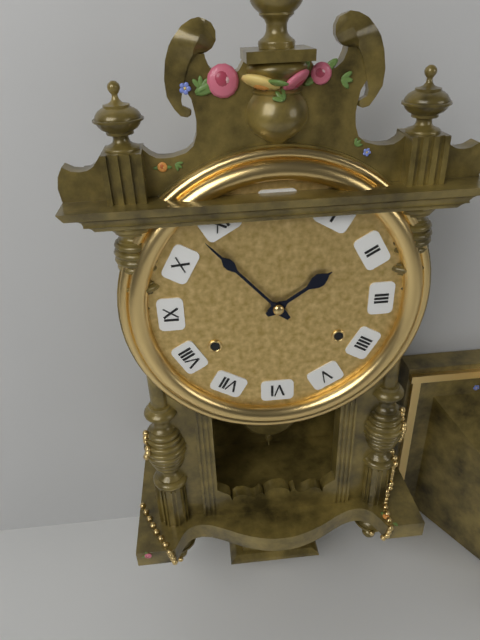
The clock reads 1:53
